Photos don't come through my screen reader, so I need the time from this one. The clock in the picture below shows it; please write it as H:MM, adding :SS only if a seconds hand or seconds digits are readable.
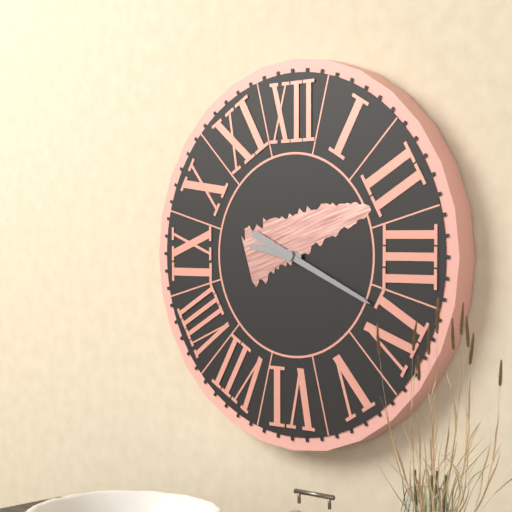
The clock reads 9:19
